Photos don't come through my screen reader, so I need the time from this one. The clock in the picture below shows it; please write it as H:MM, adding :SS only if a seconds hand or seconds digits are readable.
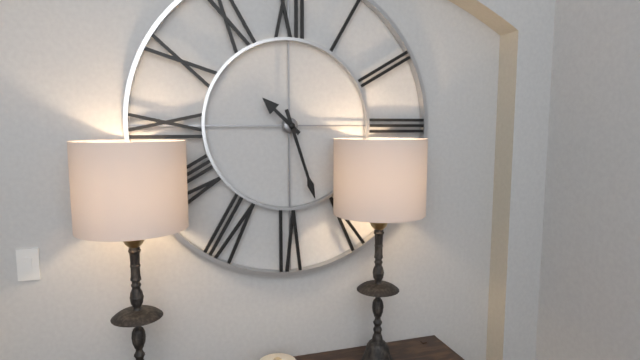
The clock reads 10:27
